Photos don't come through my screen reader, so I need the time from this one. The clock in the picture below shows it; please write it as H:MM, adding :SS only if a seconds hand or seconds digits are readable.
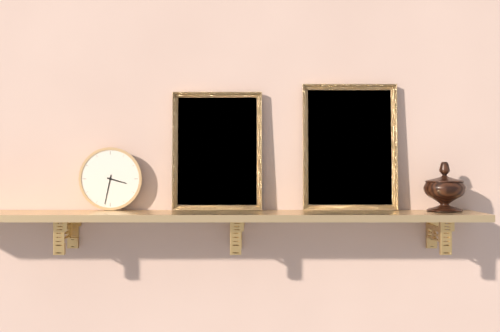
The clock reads 3:32
